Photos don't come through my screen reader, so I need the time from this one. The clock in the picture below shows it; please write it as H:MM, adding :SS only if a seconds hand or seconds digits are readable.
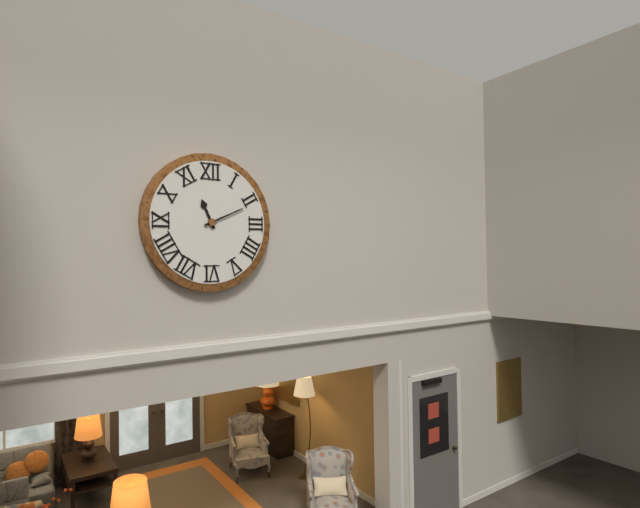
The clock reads 11:11
